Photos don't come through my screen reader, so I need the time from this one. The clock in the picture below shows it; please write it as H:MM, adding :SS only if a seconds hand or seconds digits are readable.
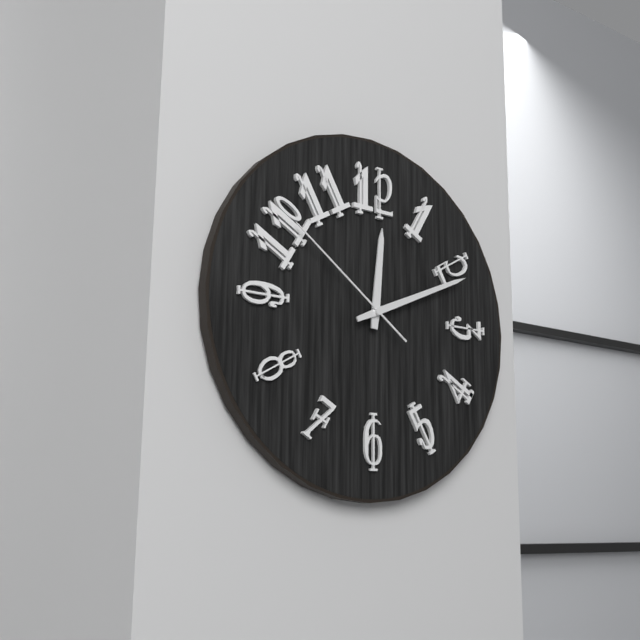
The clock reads 12:11:51
